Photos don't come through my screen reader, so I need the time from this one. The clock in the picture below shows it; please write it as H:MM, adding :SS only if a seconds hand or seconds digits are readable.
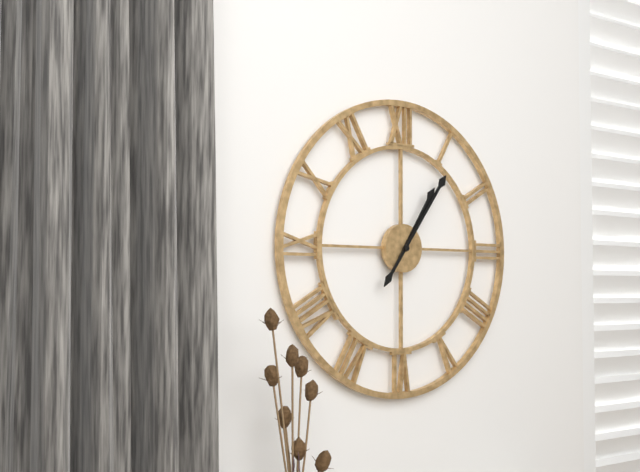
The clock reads 1:06
